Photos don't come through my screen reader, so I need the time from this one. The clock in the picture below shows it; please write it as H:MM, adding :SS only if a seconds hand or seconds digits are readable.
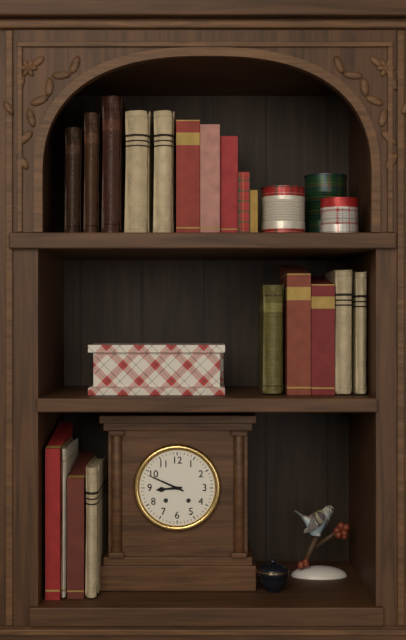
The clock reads 8:49
